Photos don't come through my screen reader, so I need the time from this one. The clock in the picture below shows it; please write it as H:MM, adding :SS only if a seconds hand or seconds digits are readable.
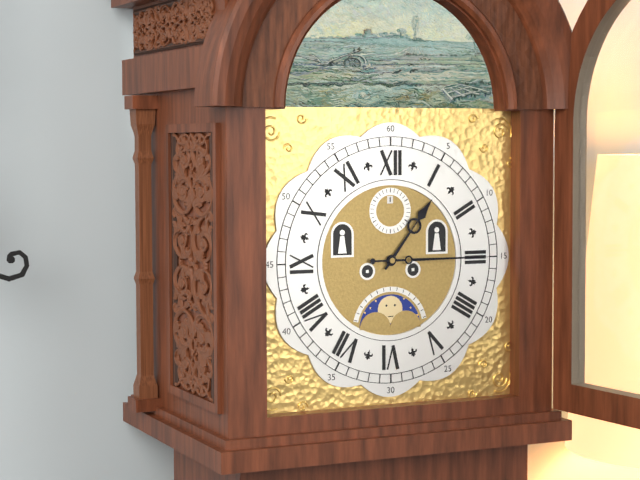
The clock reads 1:15
